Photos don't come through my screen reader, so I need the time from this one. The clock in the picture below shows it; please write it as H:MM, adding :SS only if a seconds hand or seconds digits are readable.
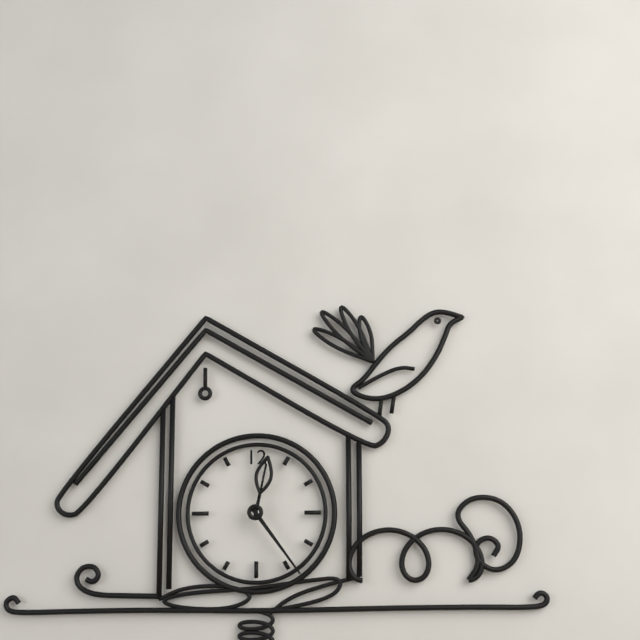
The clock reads 12:24
